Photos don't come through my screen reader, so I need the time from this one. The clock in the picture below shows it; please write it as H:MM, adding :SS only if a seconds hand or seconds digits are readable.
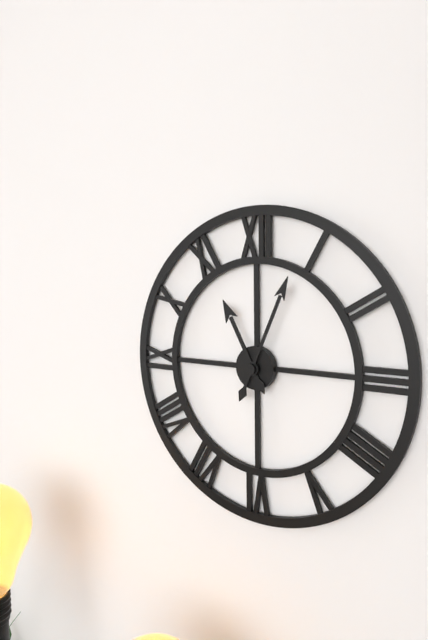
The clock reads 11:04
